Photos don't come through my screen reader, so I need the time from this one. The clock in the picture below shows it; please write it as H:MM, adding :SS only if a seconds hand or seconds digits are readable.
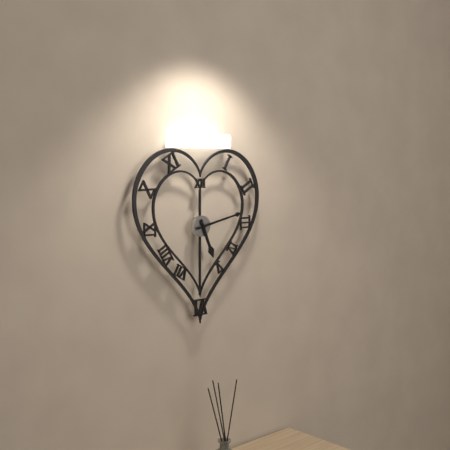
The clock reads 5:13
